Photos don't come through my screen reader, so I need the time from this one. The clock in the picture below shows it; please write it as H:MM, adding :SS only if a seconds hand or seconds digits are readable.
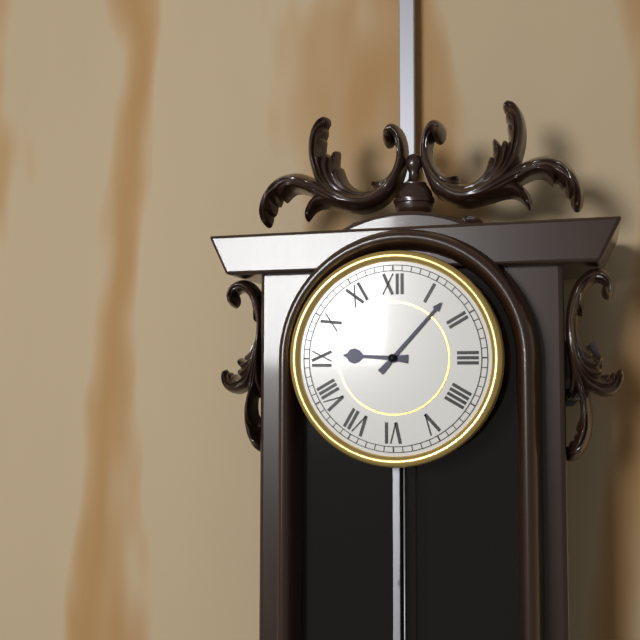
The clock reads 9:07
